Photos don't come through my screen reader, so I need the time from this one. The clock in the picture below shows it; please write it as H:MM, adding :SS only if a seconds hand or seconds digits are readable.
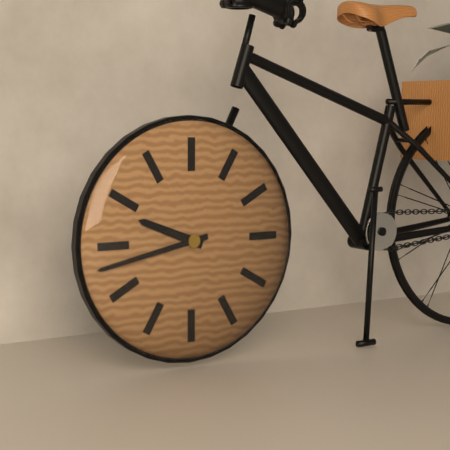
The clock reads 9:43
